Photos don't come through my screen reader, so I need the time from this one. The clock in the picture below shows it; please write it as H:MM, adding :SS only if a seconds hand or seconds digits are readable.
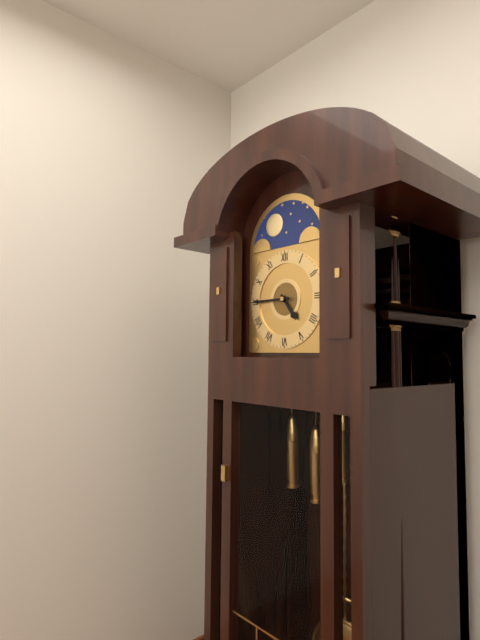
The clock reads 4:45
